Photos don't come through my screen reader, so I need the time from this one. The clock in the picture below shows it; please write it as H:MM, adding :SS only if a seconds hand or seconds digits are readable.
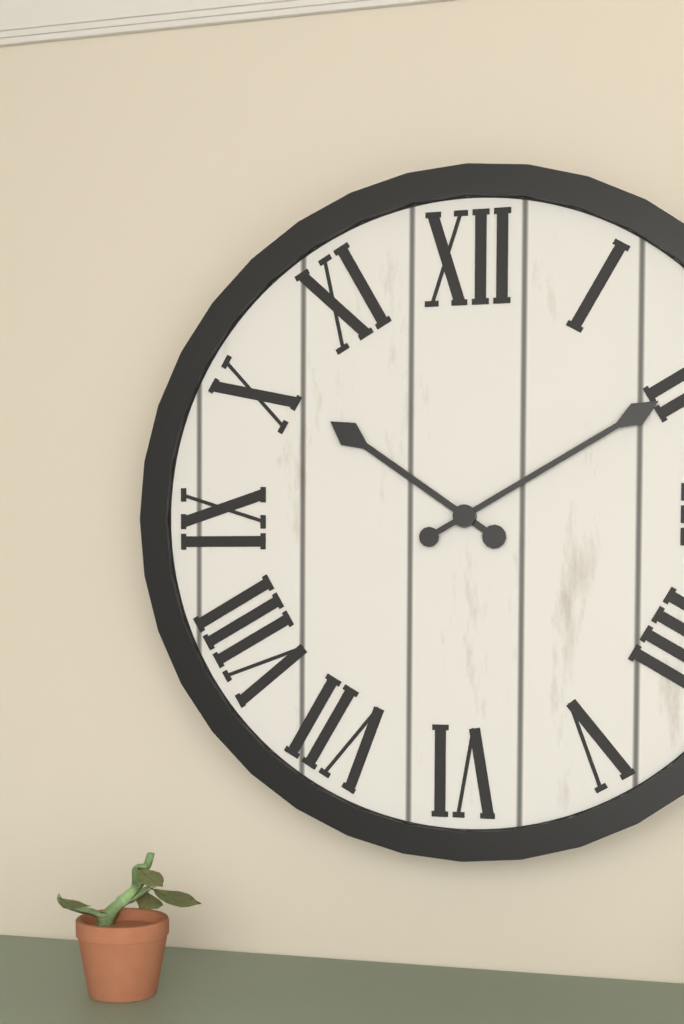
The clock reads 10:10
